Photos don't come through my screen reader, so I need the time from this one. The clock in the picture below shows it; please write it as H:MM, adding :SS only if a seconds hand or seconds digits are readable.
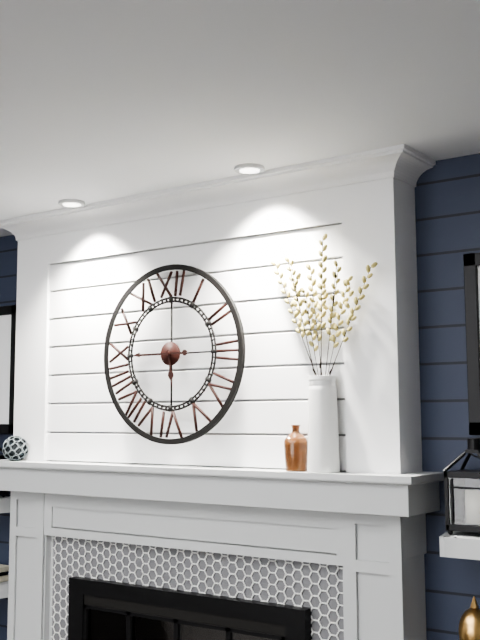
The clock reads 5:45
